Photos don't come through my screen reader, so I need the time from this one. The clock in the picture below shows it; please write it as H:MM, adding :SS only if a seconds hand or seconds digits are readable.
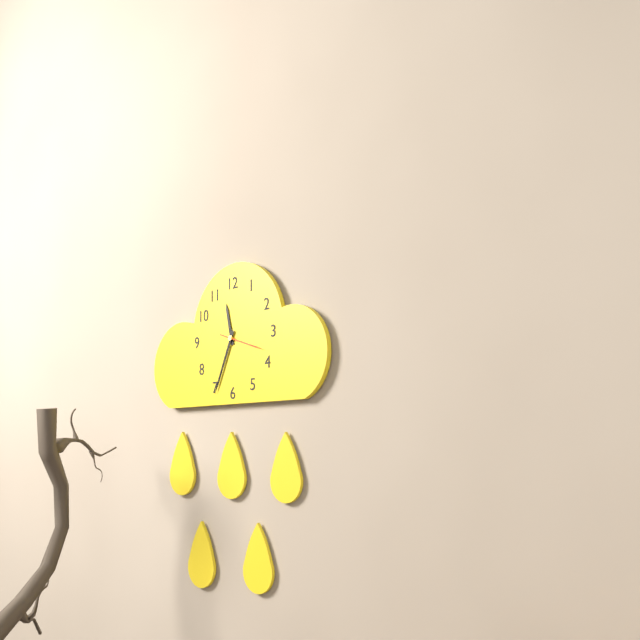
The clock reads 11:34
